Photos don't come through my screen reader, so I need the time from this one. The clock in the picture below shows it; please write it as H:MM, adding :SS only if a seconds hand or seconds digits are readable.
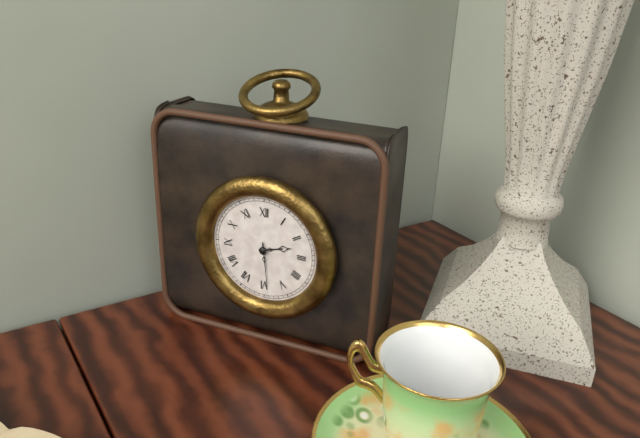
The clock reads 2:29
